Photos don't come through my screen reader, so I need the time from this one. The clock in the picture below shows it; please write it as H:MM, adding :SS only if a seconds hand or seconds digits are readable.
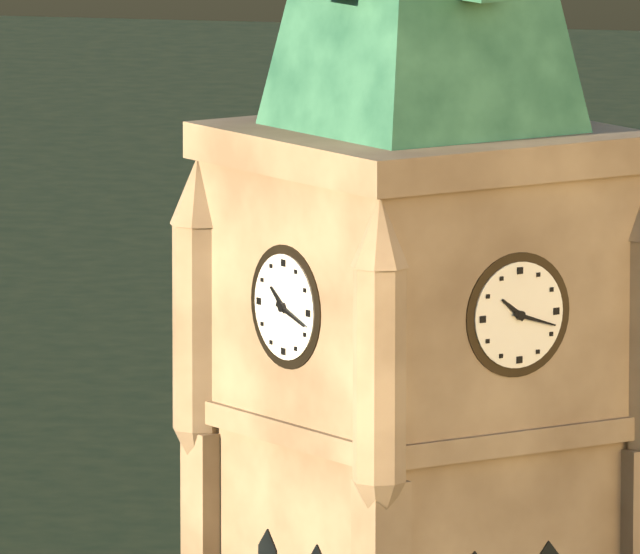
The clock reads 10:18
